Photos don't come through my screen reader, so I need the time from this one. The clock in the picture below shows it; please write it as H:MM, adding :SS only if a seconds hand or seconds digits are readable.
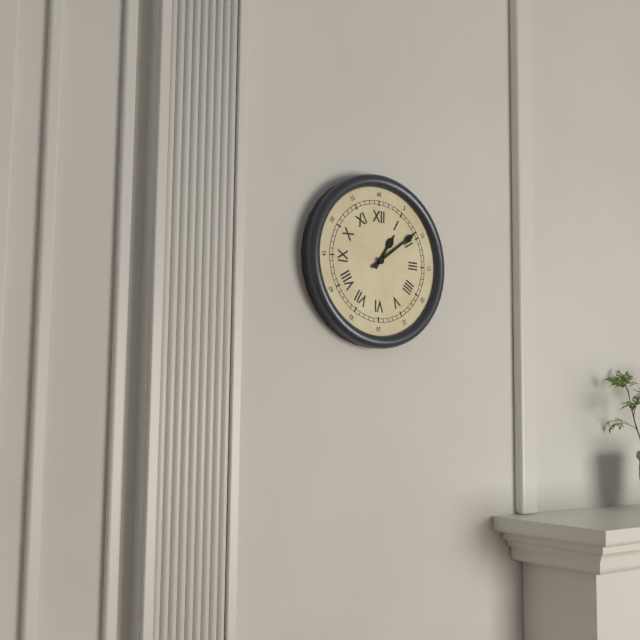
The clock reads 1:09
